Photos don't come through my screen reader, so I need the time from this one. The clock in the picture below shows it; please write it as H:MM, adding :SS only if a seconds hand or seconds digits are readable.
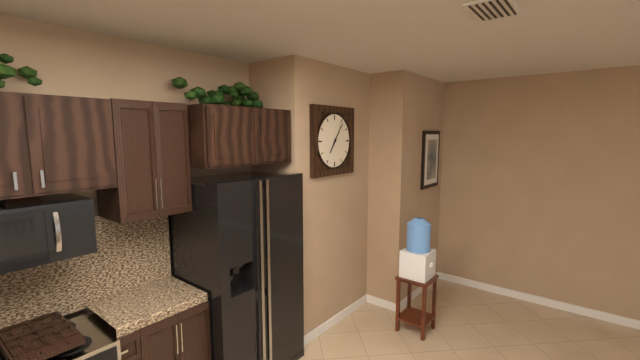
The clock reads 7:06
